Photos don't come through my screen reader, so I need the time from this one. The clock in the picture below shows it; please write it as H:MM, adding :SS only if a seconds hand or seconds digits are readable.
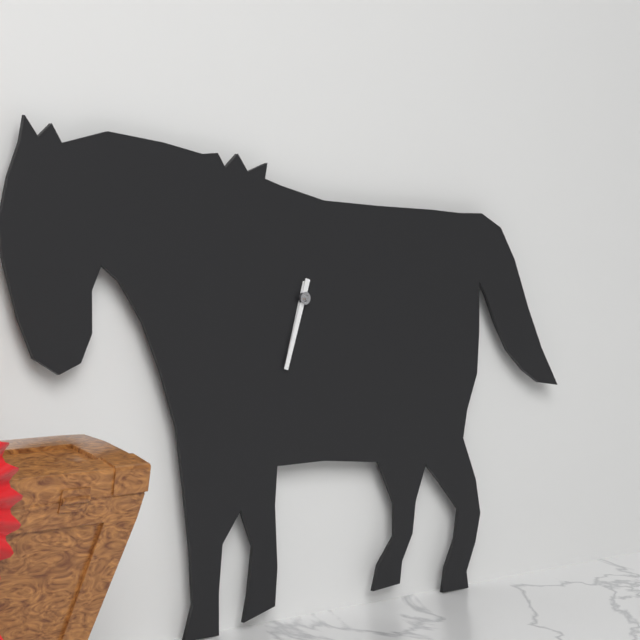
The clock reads 6:33
